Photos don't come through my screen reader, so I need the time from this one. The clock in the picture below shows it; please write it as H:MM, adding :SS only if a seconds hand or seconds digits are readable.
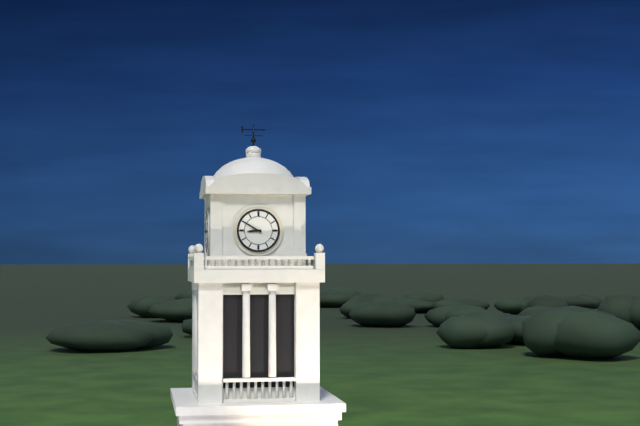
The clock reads 8:50
